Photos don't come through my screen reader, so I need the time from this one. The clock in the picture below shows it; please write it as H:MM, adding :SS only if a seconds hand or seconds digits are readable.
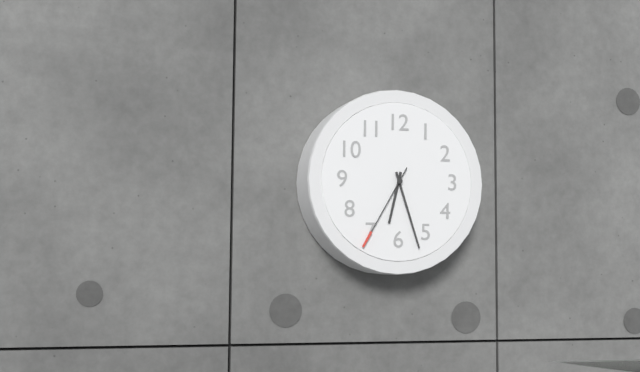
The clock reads 6:27:35
